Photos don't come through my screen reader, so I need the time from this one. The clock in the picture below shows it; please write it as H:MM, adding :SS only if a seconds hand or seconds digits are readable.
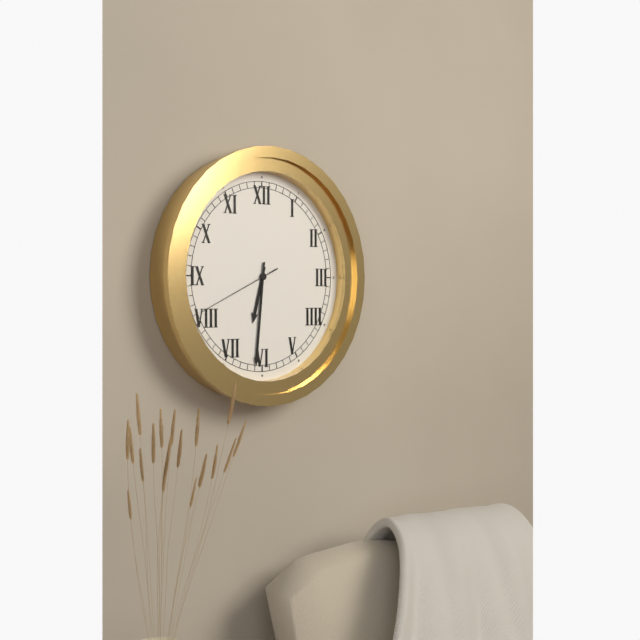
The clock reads 6:31:41
